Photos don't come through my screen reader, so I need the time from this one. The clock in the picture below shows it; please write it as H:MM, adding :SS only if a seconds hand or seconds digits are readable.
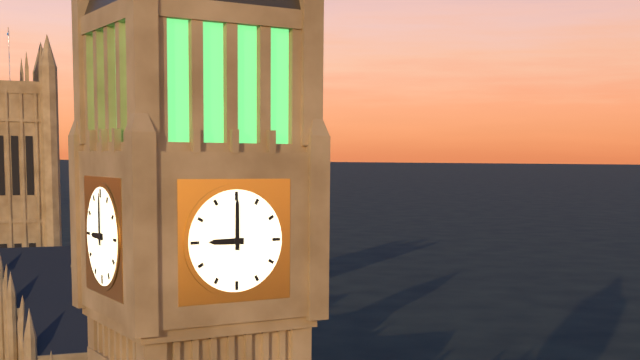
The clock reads 9:00
